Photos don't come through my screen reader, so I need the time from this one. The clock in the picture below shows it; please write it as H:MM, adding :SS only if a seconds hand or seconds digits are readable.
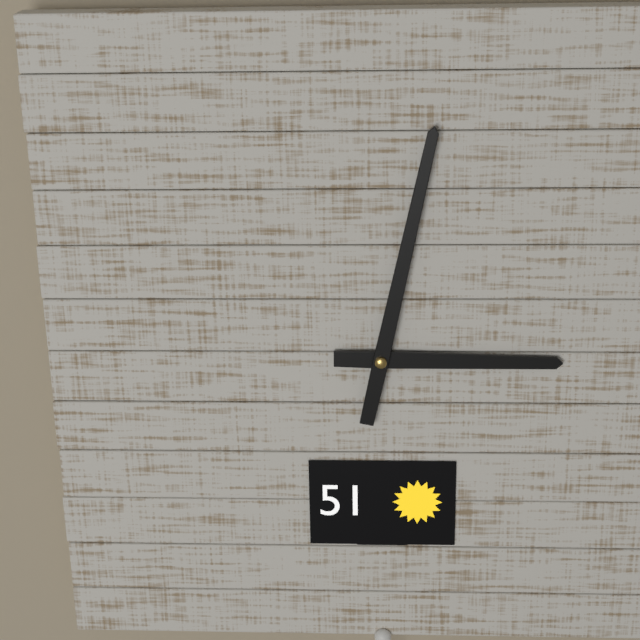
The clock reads 3:02
